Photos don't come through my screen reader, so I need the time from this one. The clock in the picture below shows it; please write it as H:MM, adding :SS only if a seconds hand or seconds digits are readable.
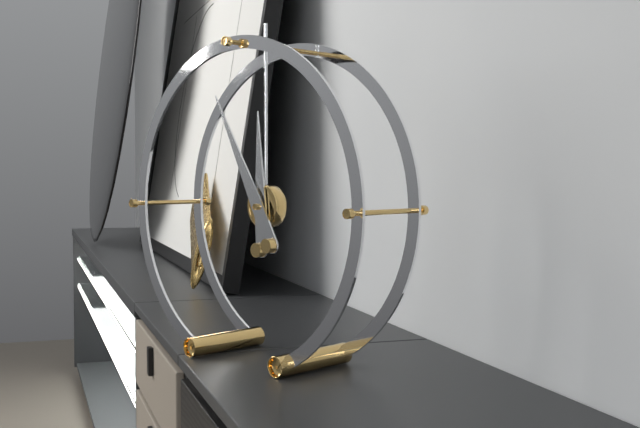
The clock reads 11:55
